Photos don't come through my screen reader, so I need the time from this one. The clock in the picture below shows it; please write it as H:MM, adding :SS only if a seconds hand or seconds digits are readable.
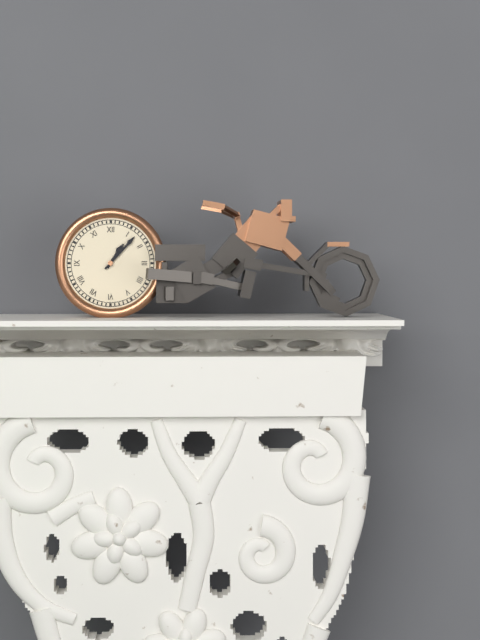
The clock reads 1:07
